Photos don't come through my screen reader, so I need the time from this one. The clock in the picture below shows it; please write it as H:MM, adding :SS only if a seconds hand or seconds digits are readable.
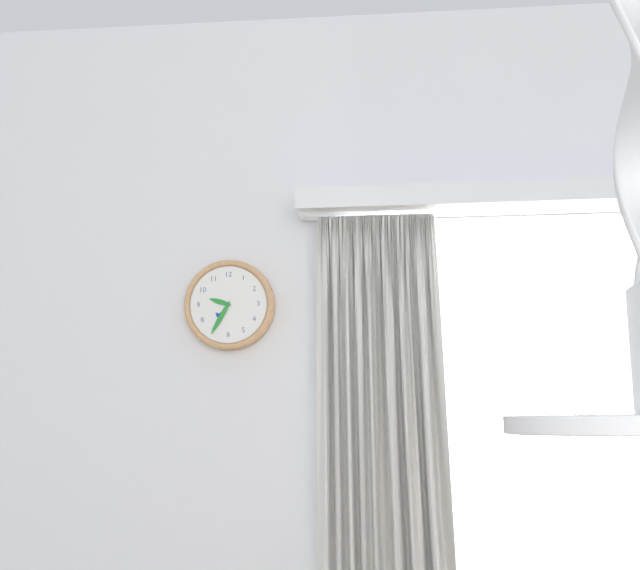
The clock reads 9:35
